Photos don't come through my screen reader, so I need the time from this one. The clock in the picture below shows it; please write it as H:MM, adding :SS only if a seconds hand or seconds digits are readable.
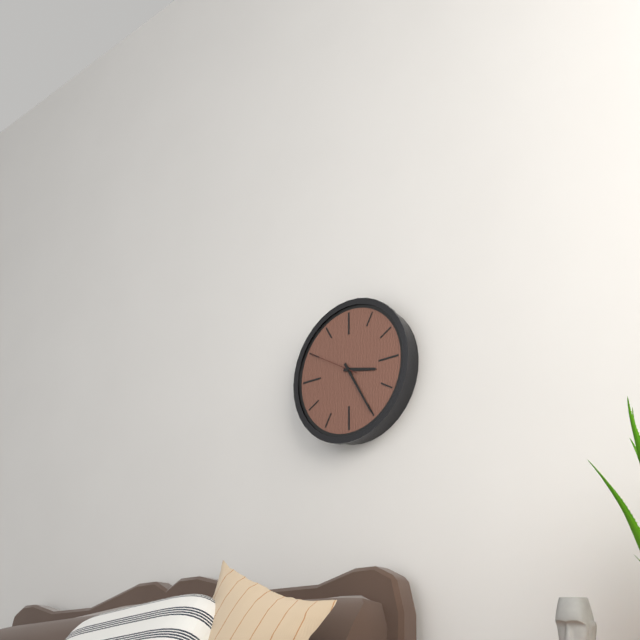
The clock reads 3:25:50
